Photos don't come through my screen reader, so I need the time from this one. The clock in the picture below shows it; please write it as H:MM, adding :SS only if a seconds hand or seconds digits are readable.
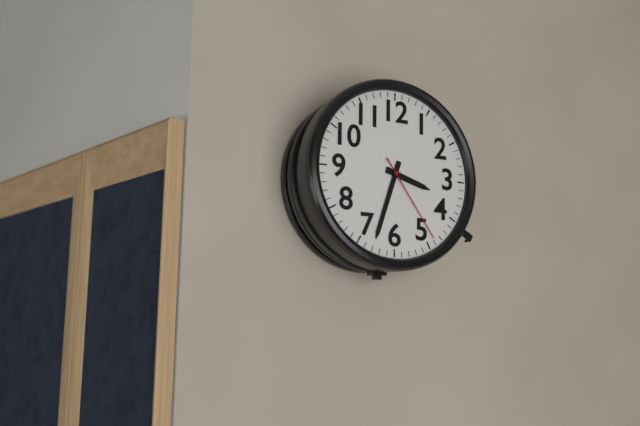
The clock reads 3:33:24
